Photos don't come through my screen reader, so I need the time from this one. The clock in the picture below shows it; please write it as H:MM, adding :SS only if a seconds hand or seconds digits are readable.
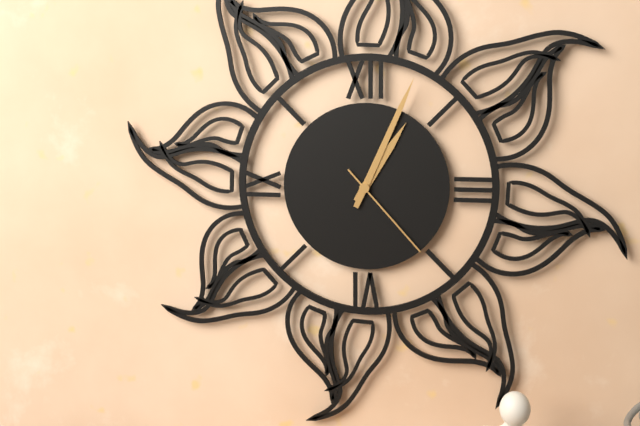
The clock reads 1:04:23
